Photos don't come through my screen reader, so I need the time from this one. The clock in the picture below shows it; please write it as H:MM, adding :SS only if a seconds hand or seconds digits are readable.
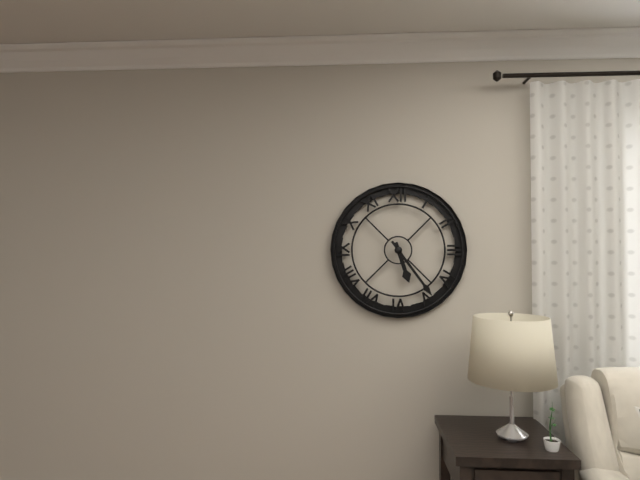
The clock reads 5:24
